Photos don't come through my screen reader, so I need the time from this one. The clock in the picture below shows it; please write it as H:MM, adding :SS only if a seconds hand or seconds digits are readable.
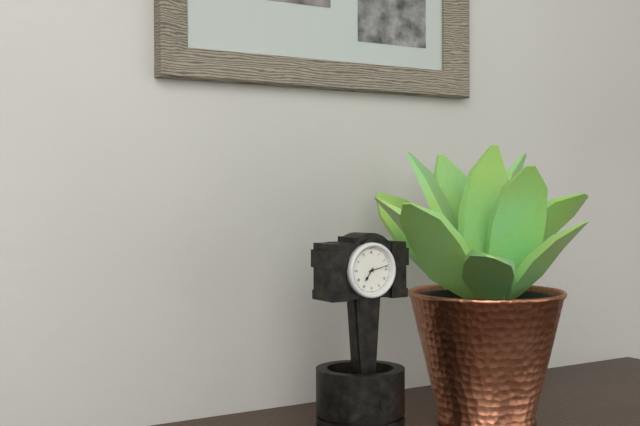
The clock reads 7:13
